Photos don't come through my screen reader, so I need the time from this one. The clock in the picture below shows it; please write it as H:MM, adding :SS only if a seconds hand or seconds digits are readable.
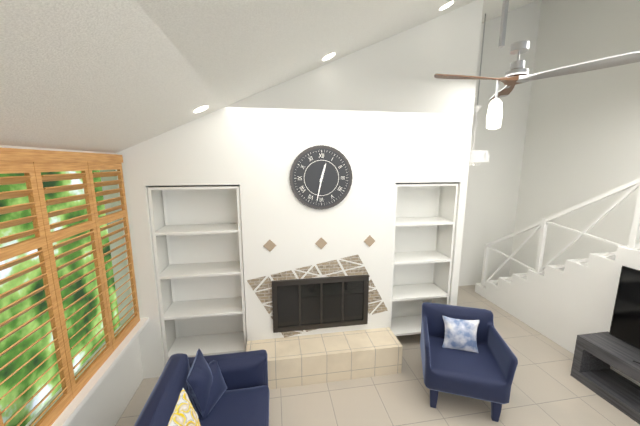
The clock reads 12:32
